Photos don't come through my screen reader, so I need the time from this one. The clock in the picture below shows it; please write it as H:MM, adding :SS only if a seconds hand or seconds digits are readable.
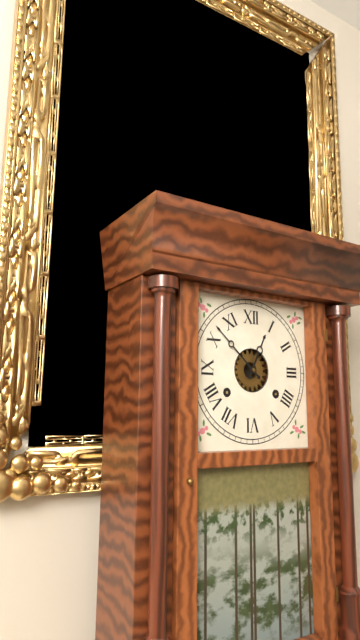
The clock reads 12:52
